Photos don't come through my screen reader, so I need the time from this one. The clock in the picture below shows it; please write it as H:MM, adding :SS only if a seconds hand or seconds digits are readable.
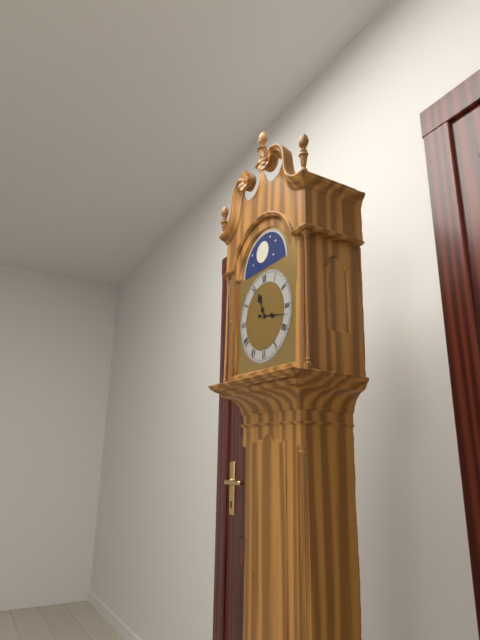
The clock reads 11:17
